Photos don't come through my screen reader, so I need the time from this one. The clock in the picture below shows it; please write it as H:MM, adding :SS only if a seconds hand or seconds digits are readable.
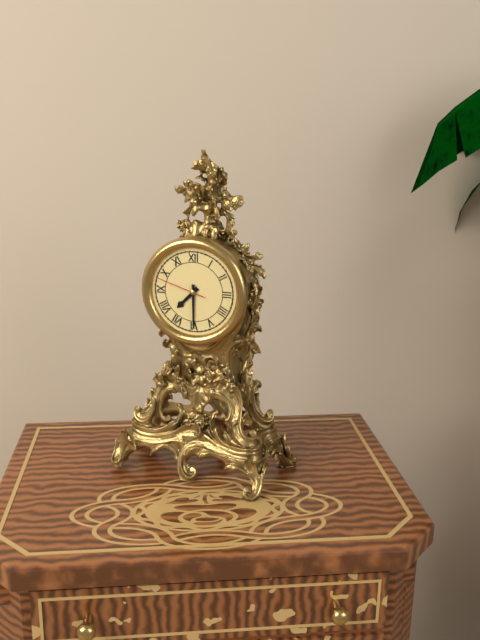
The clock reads 7:30
